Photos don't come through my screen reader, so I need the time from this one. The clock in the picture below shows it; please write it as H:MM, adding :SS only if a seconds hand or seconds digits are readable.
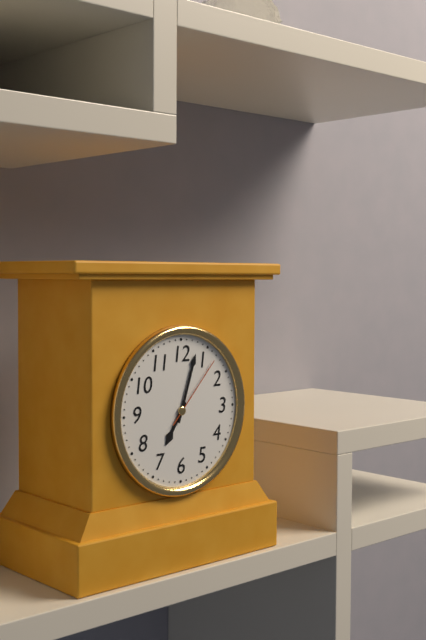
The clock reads 7:03:07
